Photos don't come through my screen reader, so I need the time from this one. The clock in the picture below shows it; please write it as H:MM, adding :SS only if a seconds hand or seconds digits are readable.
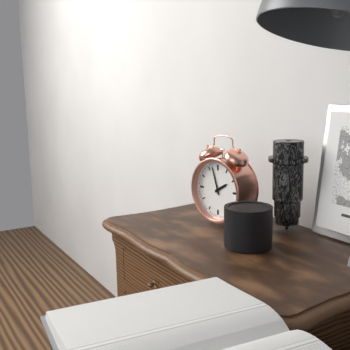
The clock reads 1:57
